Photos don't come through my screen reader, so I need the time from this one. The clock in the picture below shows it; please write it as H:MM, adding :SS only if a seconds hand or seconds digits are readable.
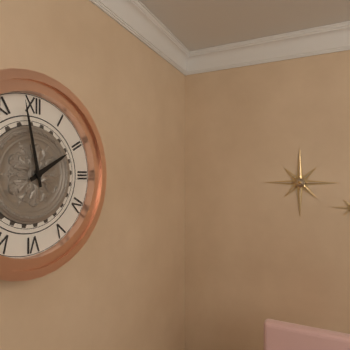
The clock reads 1:58
